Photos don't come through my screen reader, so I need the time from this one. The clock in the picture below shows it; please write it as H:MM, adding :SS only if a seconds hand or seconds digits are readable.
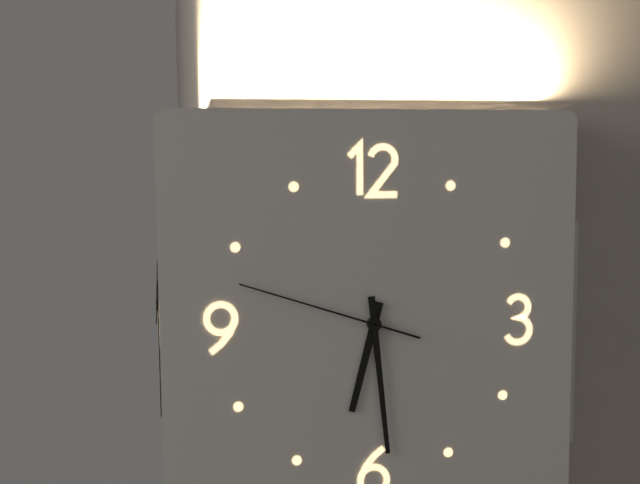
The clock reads 6:29:48
